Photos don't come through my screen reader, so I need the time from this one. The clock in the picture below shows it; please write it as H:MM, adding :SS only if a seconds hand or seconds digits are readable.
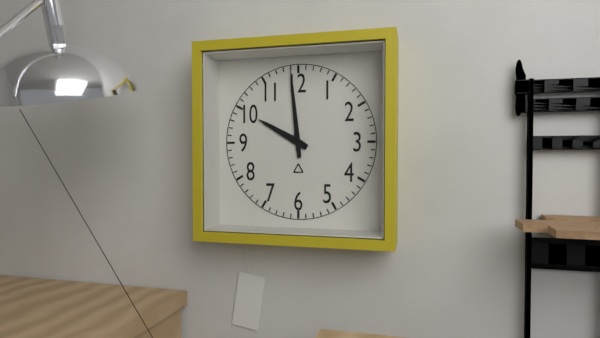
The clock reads 9:59
